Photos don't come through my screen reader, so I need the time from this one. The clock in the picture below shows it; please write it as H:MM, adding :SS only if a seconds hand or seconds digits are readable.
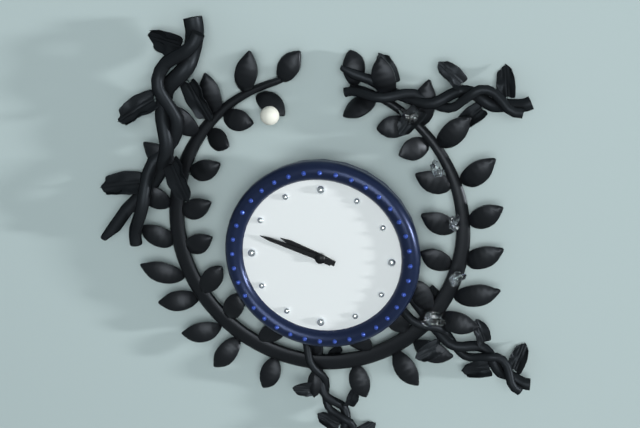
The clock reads 9:48
